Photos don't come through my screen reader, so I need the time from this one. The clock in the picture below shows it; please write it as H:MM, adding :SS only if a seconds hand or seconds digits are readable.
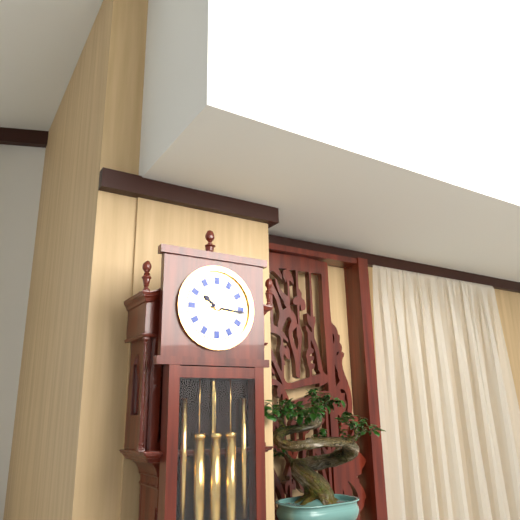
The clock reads 10:16
